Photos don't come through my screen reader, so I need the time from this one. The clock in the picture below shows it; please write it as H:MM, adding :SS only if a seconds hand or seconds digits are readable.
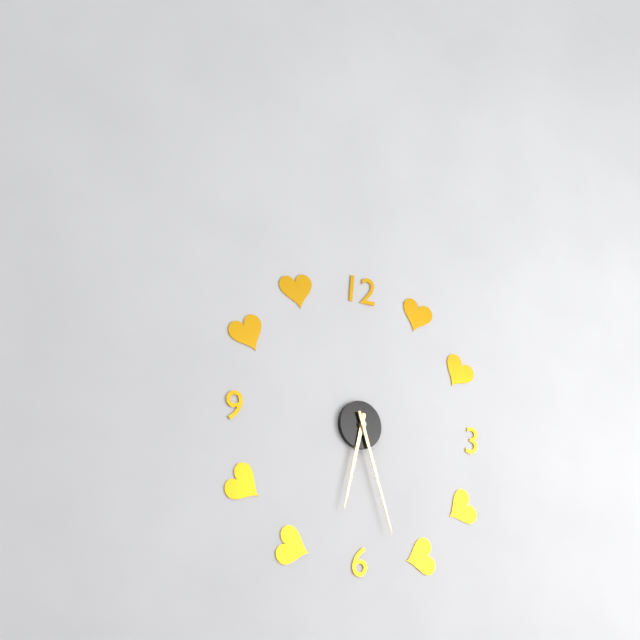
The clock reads 6:27
